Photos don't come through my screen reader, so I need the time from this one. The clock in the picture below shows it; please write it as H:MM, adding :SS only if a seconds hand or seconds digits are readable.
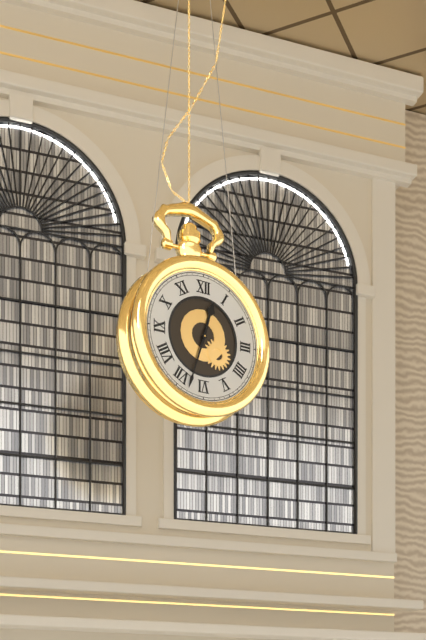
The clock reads 12:33
